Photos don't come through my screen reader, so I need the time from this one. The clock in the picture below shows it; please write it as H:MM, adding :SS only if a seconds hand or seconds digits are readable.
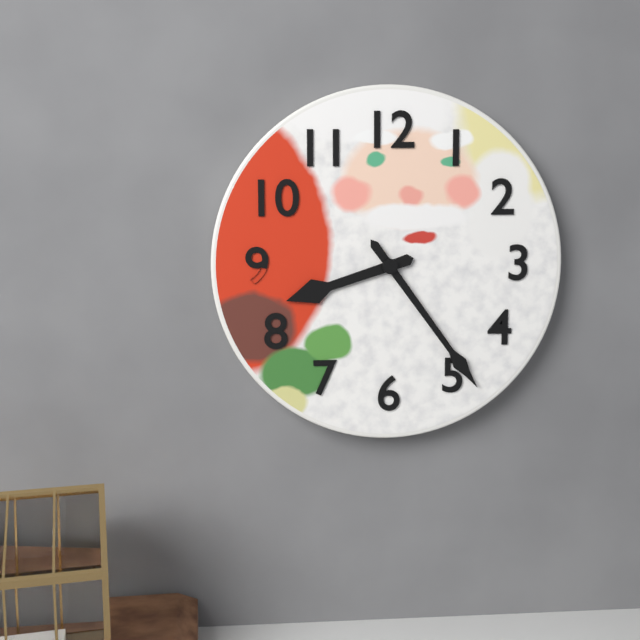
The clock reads 8:24
